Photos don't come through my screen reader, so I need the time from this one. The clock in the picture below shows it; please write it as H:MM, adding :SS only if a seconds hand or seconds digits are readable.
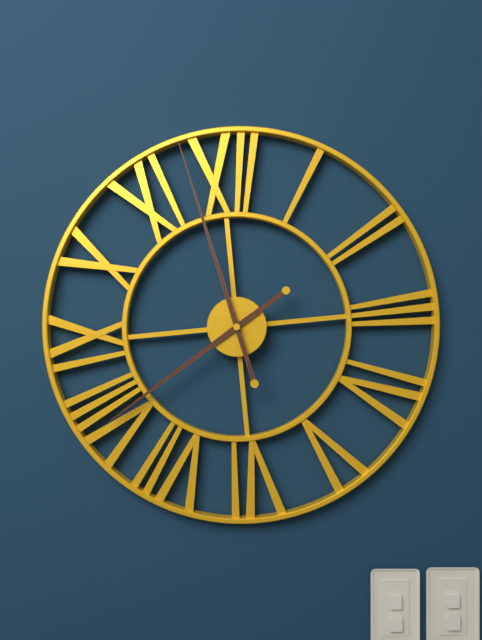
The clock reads 7:58
